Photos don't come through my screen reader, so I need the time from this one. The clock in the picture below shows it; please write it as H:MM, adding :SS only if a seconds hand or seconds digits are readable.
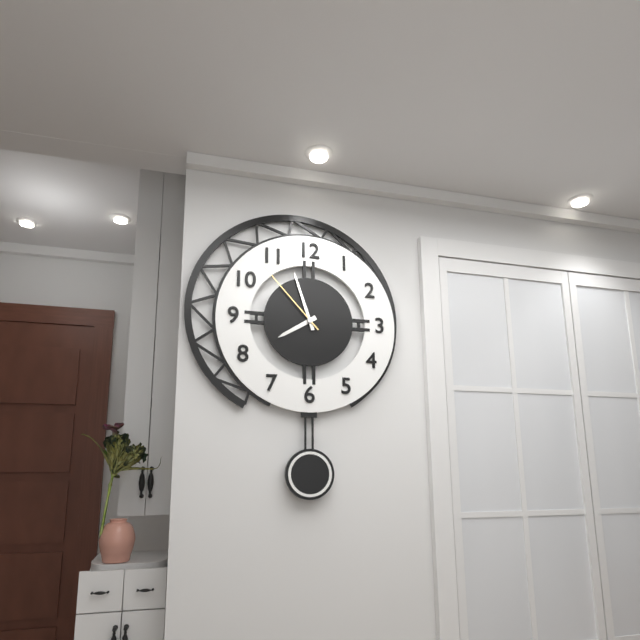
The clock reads 7:57:53
